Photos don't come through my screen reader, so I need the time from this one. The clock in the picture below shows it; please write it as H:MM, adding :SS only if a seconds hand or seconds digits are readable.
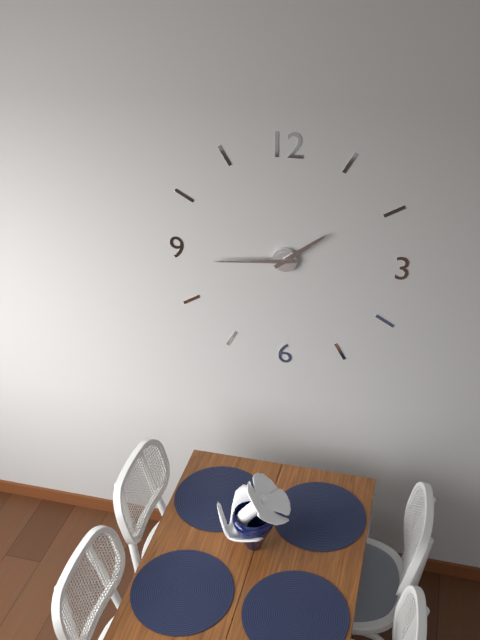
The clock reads 1:44
